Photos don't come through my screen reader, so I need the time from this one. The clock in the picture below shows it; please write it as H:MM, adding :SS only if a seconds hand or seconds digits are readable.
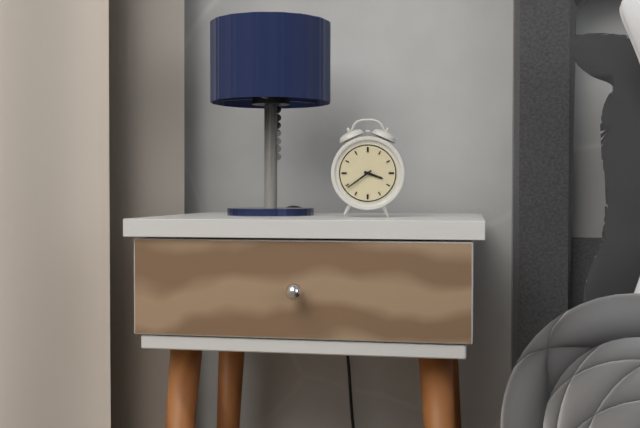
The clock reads 3:39
